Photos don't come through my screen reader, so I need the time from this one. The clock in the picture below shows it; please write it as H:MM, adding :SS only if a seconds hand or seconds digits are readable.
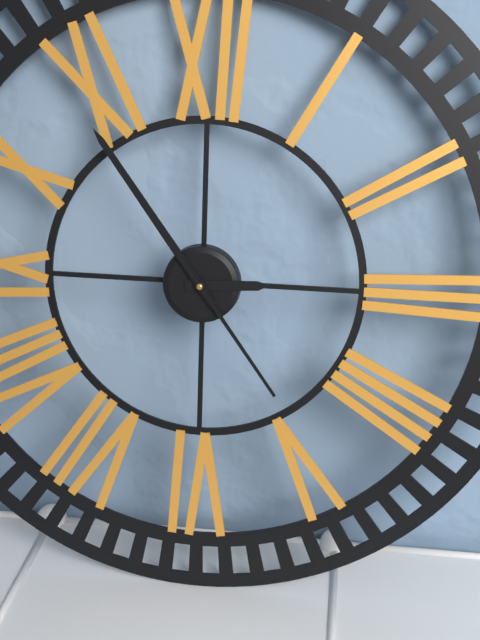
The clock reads 2:54:24
